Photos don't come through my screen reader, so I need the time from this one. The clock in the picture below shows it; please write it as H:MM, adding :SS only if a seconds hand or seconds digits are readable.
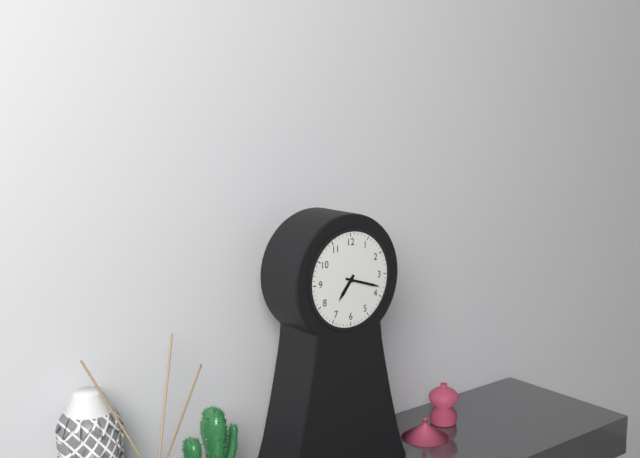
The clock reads 7:18
